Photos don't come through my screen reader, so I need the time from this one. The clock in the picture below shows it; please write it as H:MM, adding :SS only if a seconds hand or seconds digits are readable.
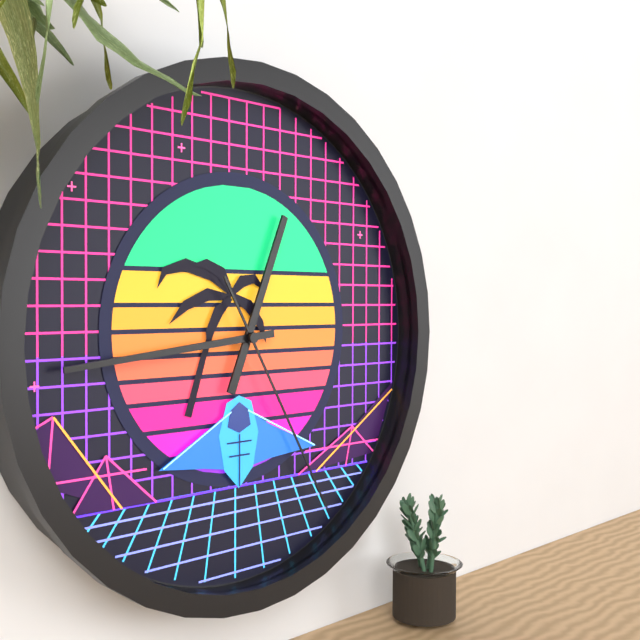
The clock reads 12:44:25
